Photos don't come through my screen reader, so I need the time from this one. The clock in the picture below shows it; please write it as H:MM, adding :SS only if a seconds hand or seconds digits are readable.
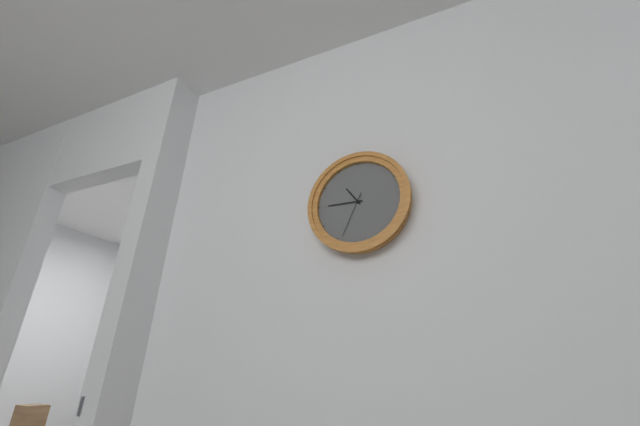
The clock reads 10:45
